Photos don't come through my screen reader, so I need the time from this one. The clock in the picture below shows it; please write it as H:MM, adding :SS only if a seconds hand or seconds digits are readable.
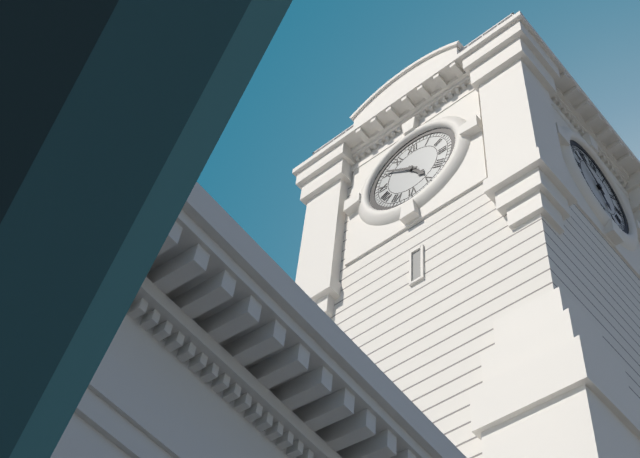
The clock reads 4:51
